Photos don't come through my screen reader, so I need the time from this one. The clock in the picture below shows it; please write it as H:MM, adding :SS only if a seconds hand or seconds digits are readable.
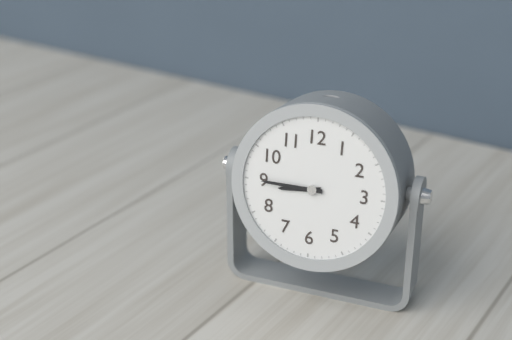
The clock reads 8:45
